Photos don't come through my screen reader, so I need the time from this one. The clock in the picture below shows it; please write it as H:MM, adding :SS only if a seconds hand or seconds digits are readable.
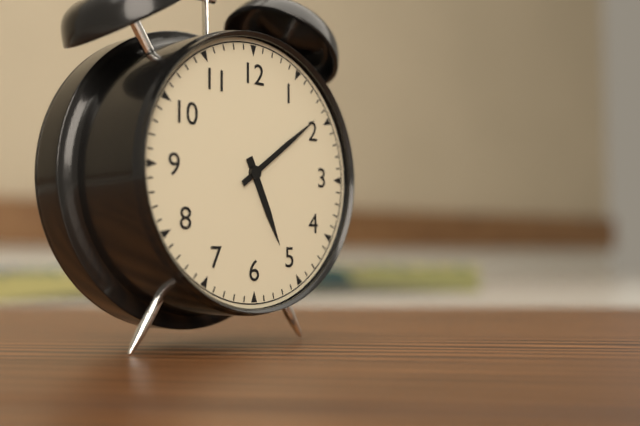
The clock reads 5:09
